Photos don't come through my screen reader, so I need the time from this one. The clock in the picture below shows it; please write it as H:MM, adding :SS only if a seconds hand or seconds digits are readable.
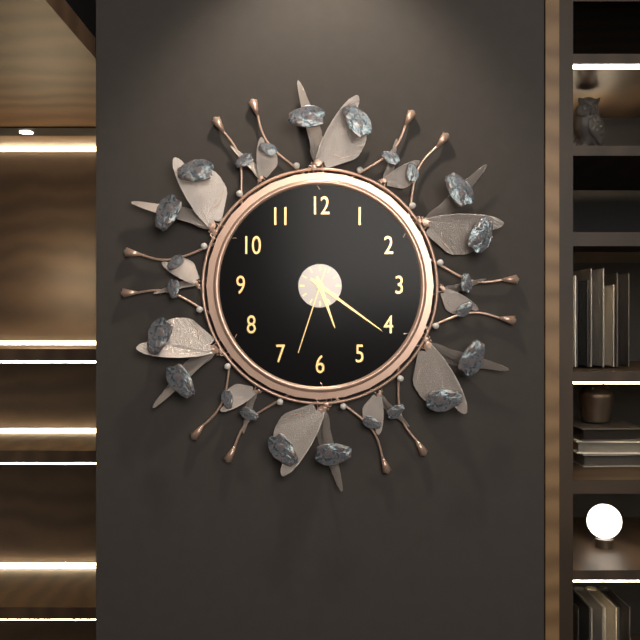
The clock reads 5:21:33
